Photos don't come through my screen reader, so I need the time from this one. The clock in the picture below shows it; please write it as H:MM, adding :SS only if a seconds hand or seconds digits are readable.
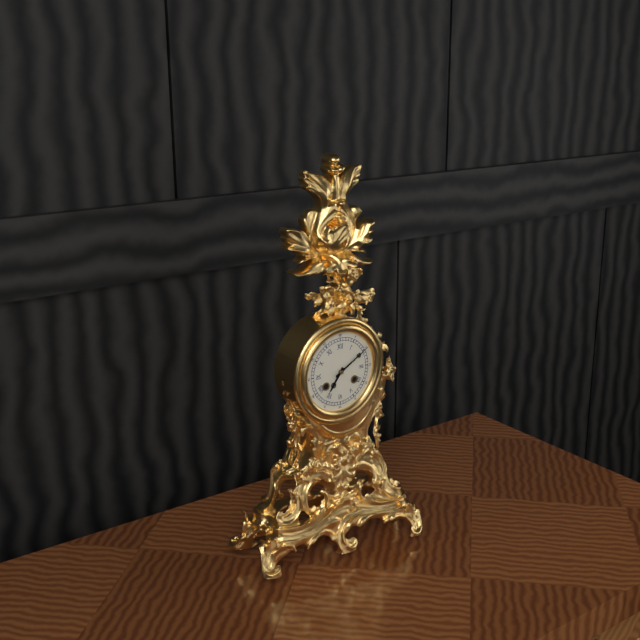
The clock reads 7:10
